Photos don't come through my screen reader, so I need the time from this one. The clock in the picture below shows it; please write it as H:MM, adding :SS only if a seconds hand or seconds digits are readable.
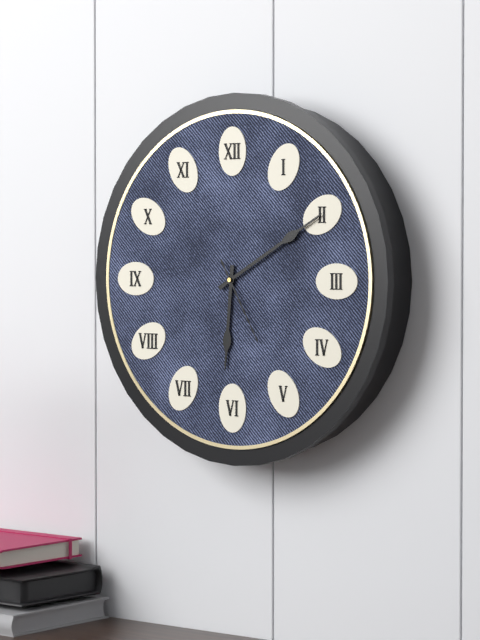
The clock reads 6:10:25
